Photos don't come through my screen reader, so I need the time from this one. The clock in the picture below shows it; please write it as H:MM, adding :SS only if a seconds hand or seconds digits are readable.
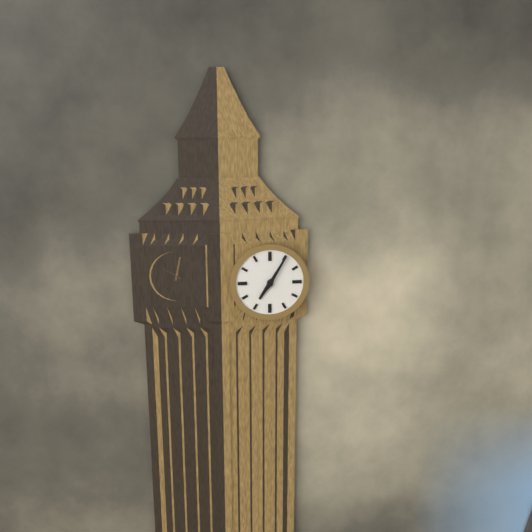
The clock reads 7:05
